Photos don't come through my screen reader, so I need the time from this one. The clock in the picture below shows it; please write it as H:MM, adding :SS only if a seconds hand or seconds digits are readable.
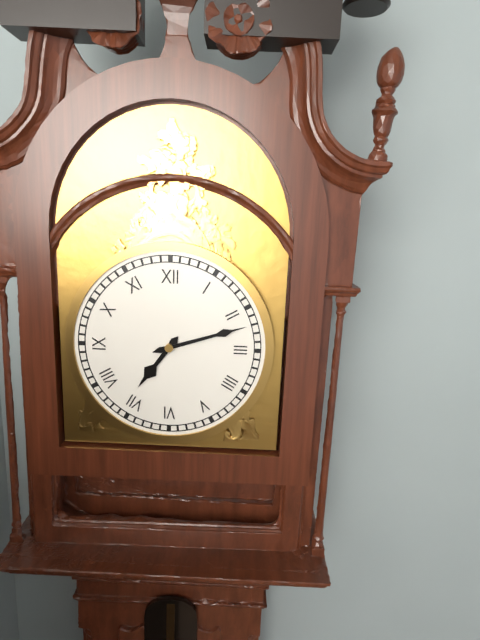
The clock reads 7:12
